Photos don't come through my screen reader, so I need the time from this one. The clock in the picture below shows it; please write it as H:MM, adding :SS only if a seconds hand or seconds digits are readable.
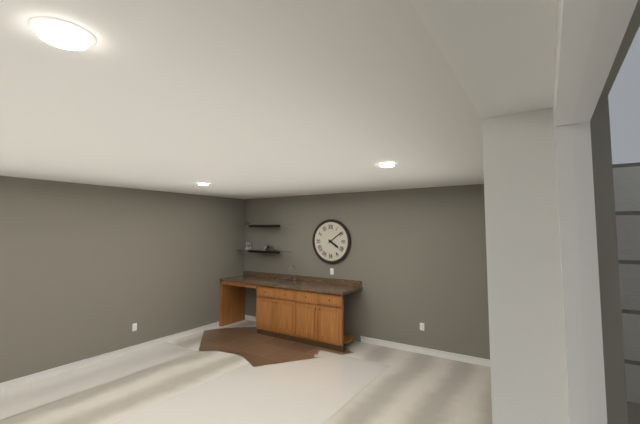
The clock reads 4:09
